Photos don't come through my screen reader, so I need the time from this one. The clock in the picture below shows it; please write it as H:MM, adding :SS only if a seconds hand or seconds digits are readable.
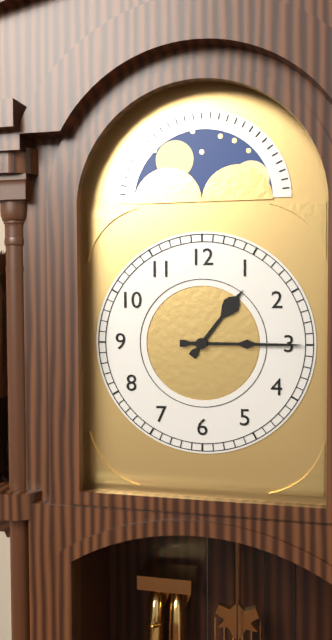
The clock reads 1:15
